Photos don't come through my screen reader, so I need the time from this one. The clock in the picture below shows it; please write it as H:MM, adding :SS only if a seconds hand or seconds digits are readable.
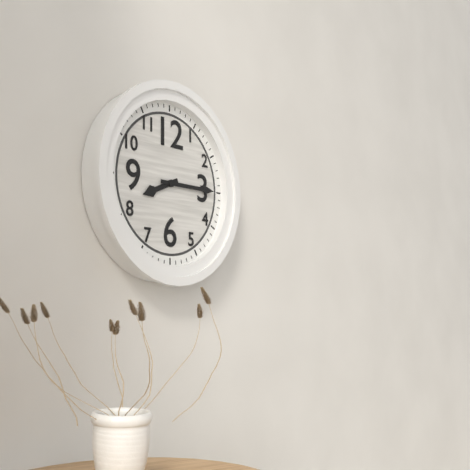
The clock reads 8:15
